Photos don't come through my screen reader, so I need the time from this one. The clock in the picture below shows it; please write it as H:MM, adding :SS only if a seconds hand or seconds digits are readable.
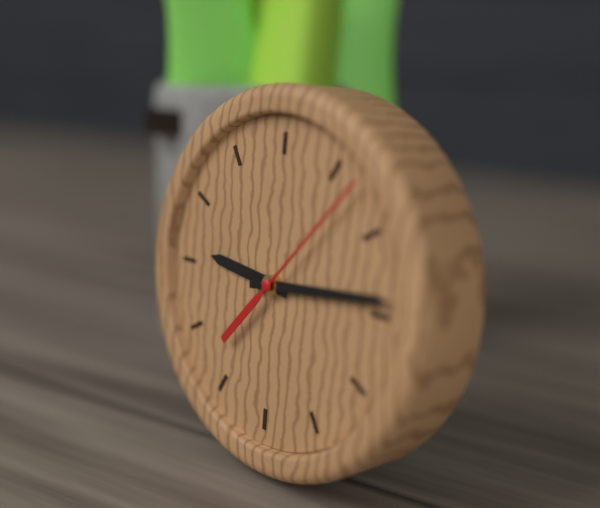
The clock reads 9:14:07
